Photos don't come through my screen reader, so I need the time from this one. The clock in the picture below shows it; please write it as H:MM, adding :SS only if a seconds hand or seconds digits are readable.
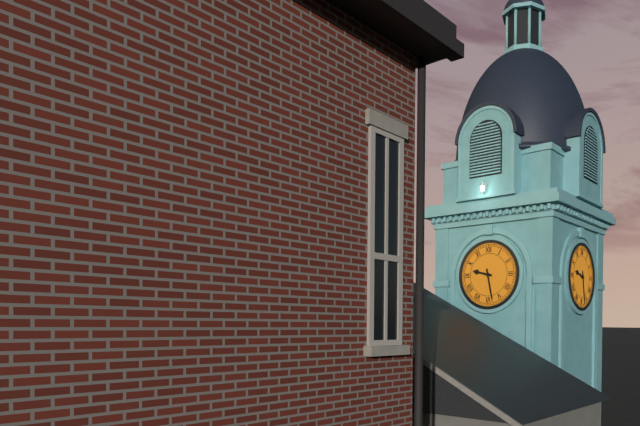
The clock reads 9:28
